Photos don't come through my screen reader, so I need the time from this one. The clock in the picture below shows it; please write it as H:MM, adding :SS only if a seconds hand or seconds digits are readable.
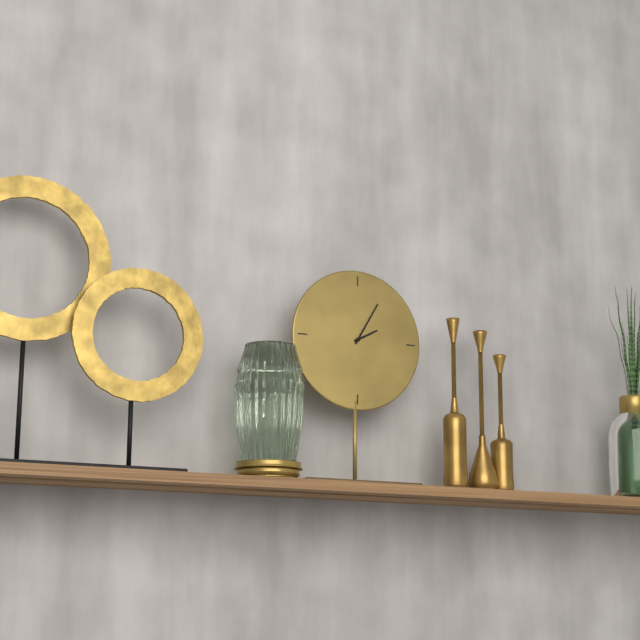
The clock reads 2:05
